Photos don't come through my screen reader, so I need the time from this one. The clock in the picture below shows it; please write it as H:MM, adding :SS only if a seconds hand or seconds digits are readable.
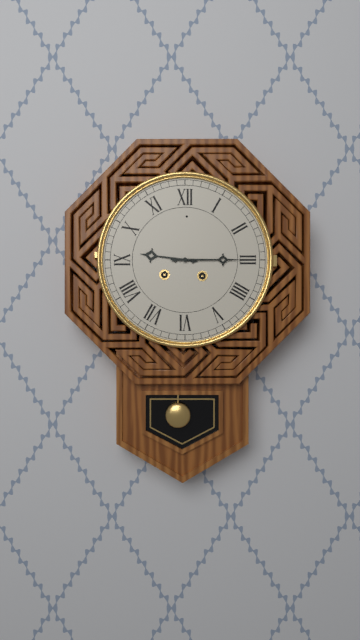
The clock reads 9:15
